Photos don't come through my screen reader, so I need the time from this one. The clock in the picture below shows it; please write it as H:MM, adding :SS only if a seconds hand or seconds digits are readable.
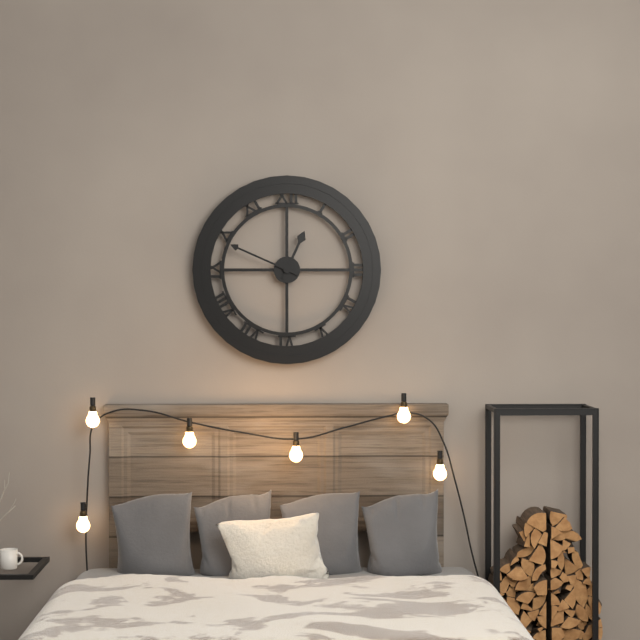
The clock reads 12:49
